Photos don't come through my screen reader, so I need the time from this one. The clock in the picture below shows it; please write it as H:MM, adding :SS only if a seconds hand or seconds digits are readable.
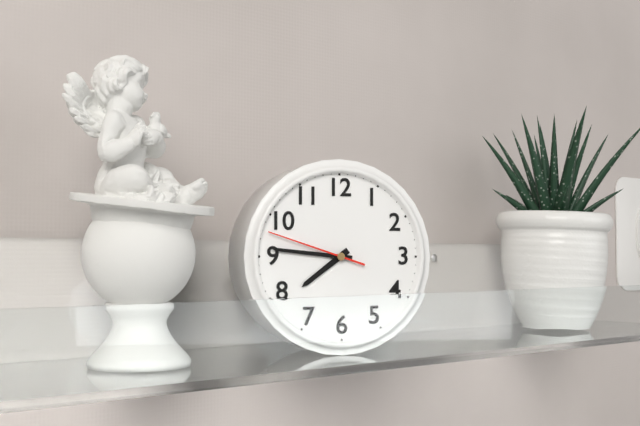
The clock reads 7:46:48
